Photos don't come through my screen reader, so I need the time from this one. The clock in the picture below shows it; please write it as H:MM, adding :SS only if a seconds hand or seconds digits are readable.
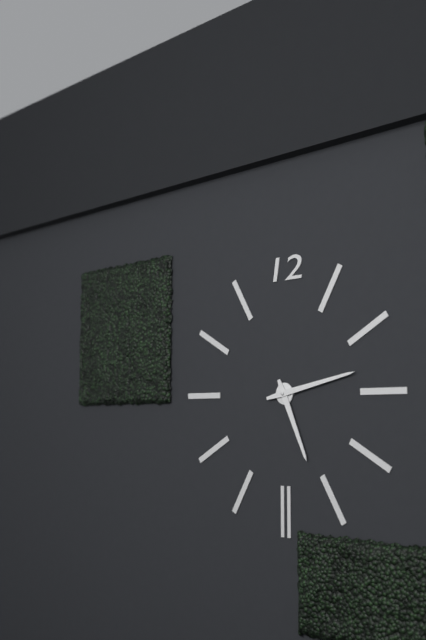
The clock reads 5:13
